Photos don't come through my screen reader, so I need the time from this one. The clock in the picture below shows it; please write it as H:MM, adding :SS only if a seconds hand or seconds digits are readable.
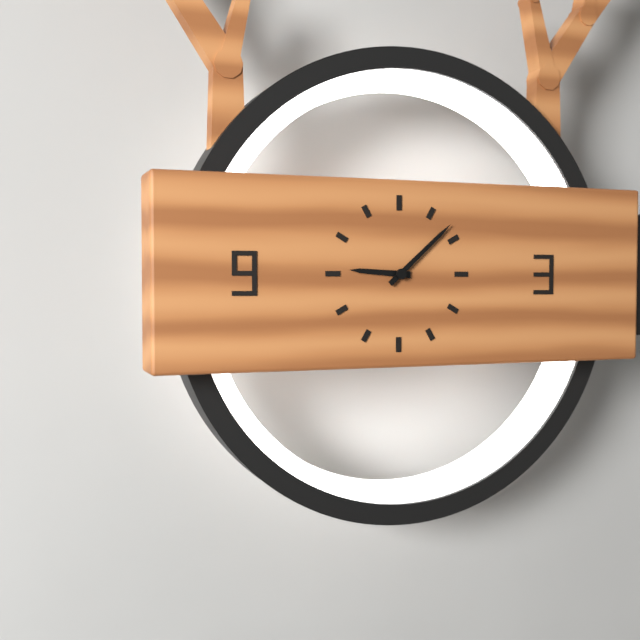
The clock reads 9:08
